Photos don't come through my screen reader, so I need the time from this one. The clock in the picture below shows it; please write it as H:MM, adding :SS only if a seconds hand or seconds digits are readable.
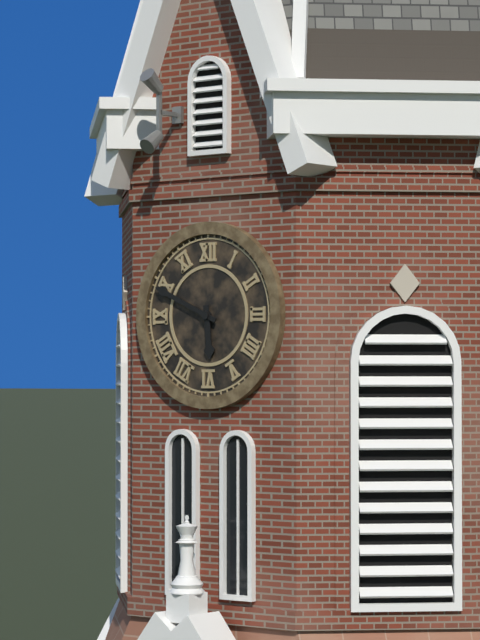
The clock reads 5:49
